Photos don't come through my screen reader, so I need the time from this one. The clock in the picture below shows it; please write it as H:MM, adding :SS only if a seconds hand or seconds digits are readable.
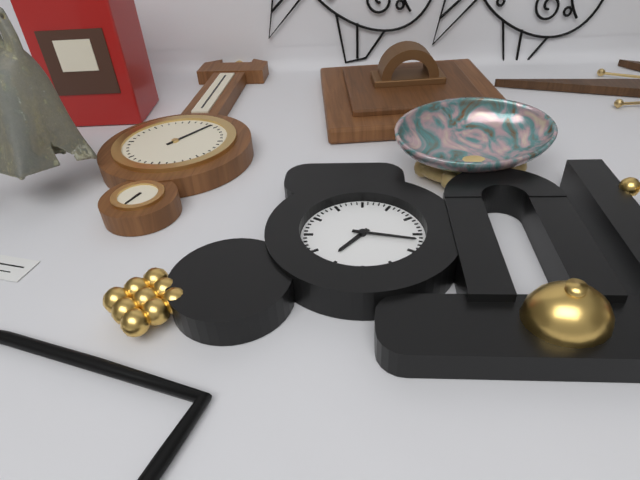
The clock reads 7:17
